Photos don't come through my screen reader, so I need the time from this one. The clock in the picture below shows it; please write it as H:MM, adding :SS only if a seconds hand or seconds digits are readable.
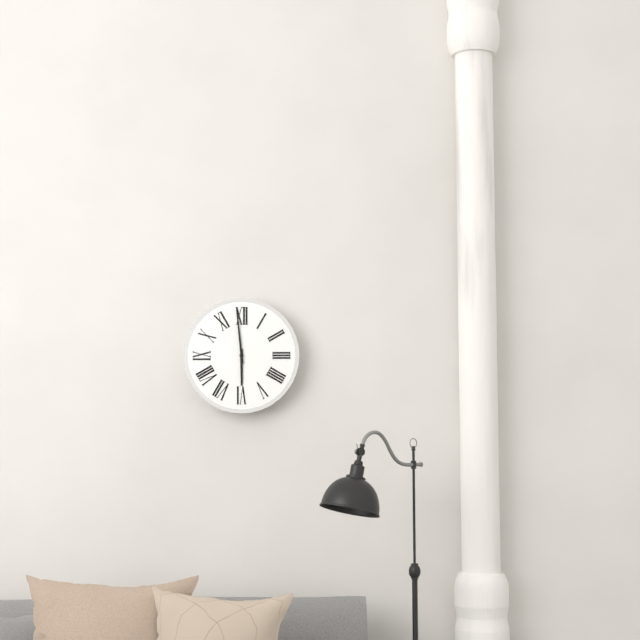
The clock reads 5:59
